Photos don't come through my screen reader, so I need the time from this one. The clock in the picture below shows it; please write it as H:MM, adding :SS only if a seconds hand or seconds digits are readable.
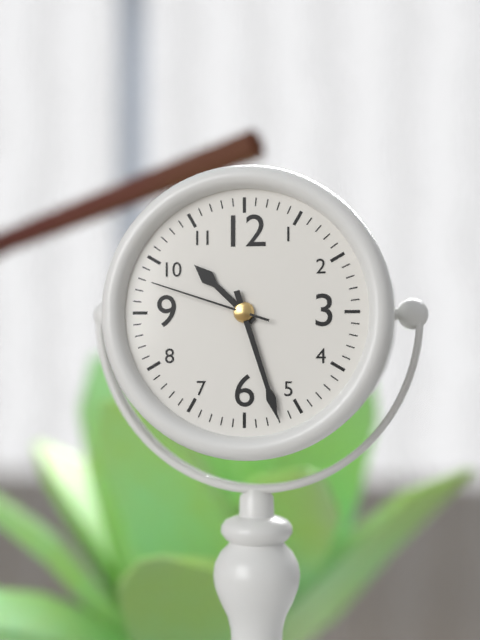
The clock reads 10:27:48
